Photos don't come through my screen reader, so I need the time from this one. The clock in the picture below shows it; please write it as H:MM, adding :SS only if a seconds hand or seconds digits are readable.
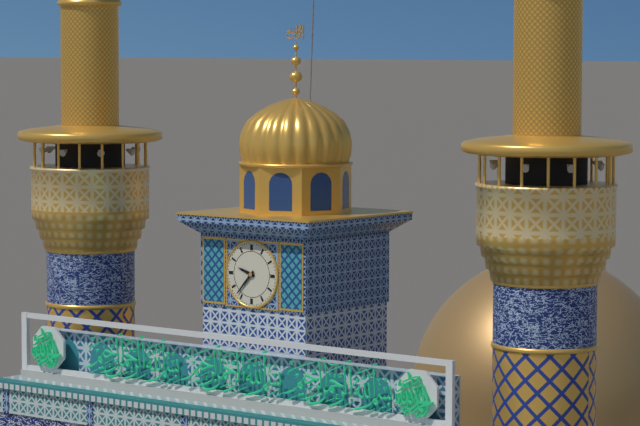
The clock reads 9:37
